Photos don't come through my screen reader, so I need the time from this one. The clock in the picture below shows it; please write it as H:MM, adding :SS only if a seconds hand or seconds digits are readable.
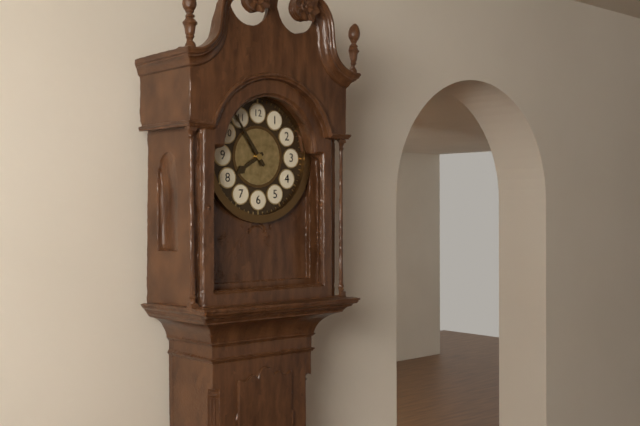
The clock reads 7:54
